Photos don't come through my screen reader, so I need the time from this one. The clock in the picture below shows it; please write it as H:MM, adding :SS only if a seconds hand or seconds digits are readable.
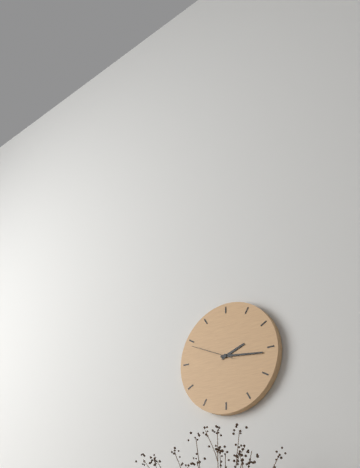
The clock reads 2:16
